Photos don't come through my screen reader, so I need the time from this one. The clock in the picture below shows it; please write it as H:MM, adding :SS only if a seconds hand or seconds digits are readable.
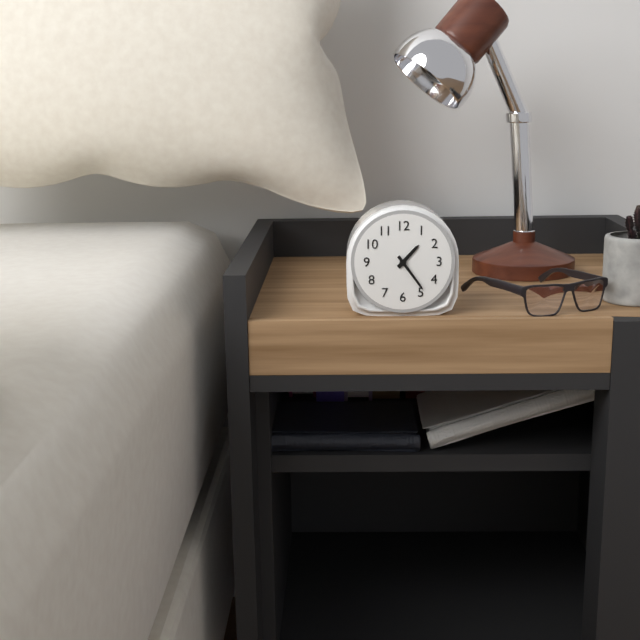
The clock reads 1:24
